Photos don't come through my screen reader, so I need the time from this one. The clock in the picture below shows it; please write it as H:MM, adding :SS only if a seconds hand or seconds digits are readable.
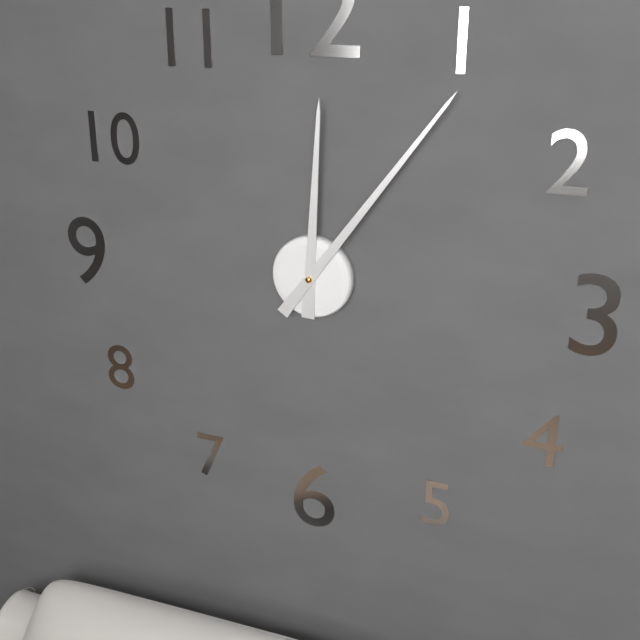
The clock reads 12:06
